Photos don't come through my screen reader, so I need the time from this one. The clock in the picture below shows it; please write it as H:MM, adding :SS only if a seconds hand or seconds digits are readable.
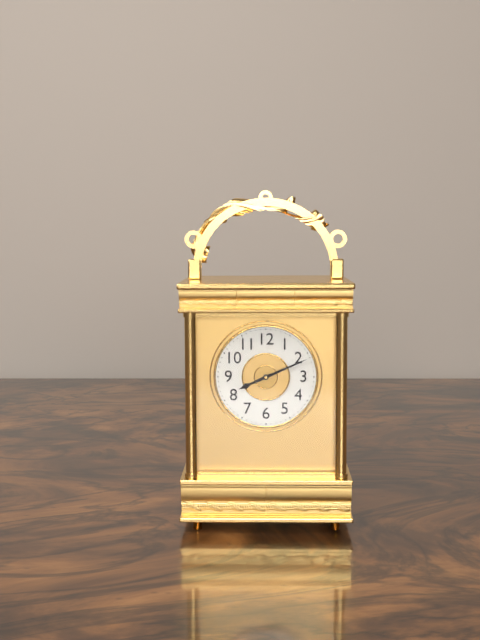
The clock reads 8:11
